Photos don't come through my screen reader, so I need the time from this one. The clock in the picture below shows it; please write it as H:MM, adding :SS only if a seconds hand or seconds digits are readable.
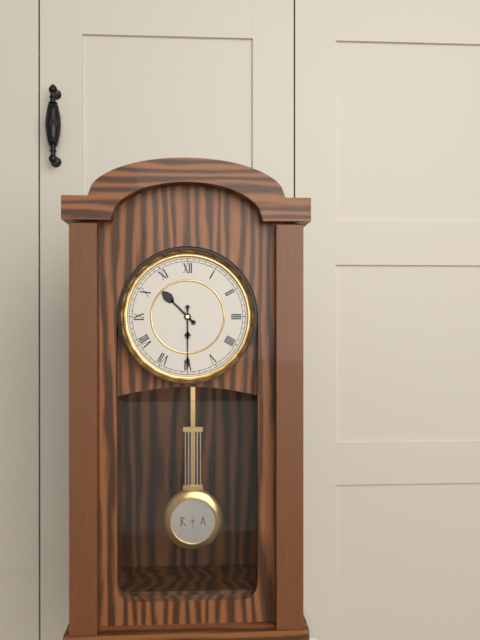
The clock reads 10:30
